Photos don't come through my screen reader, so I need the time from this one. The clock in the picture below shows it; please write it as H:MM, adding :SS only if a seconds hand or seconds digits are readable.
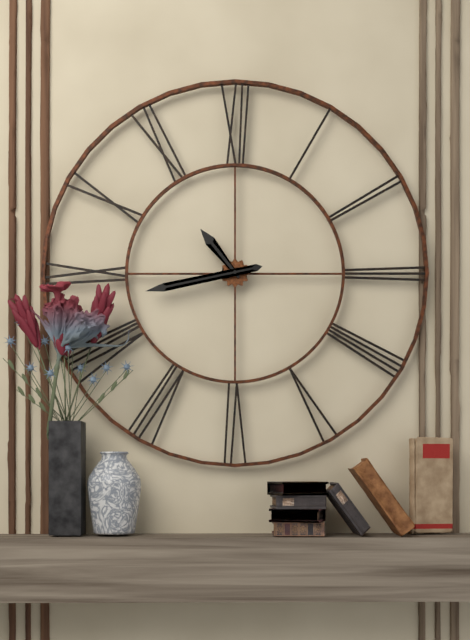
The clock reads 10:43
